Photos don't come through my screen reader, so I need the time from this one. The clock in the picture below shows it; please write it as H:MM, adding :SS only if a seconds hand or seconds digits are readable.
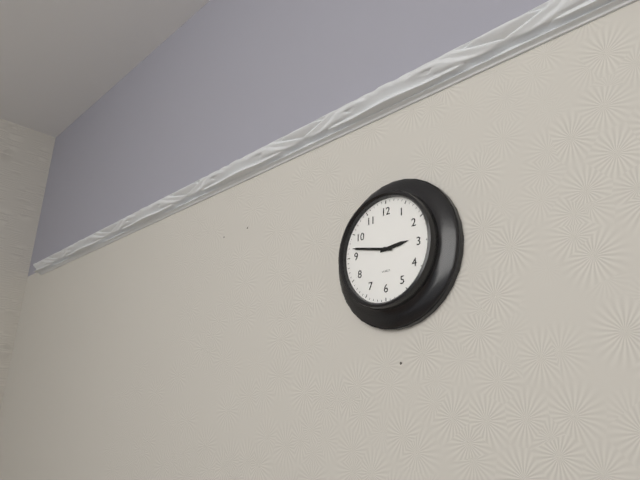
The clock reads 2:47
